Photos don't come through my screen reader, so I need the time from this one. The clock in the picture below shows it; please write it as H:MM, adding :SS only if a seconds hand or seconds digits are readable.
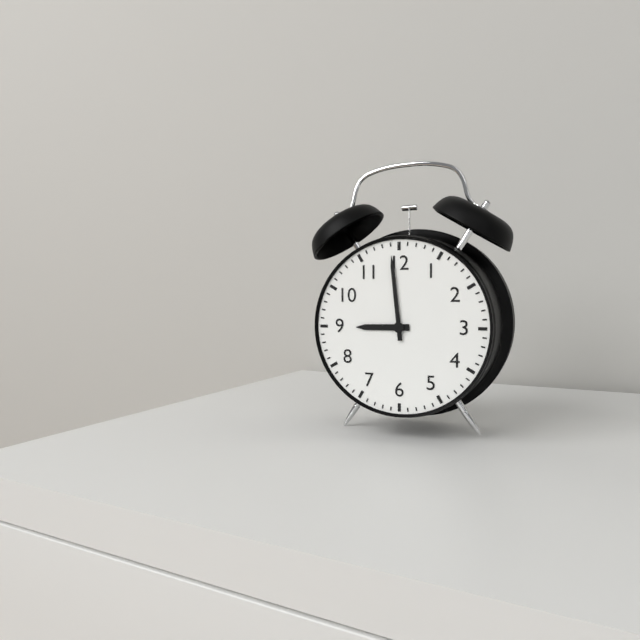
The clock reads 8:59
